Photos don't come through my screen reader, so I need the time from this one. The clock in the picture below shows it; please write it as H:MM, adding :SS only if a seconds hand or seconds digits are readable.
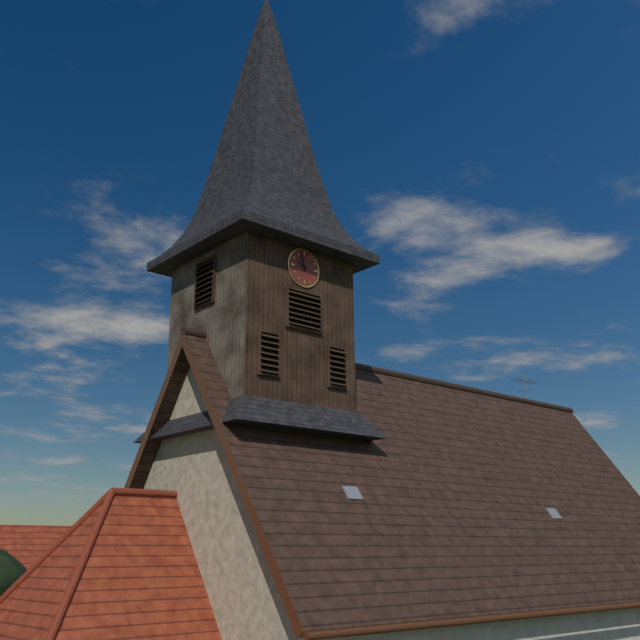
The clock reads 9:57
